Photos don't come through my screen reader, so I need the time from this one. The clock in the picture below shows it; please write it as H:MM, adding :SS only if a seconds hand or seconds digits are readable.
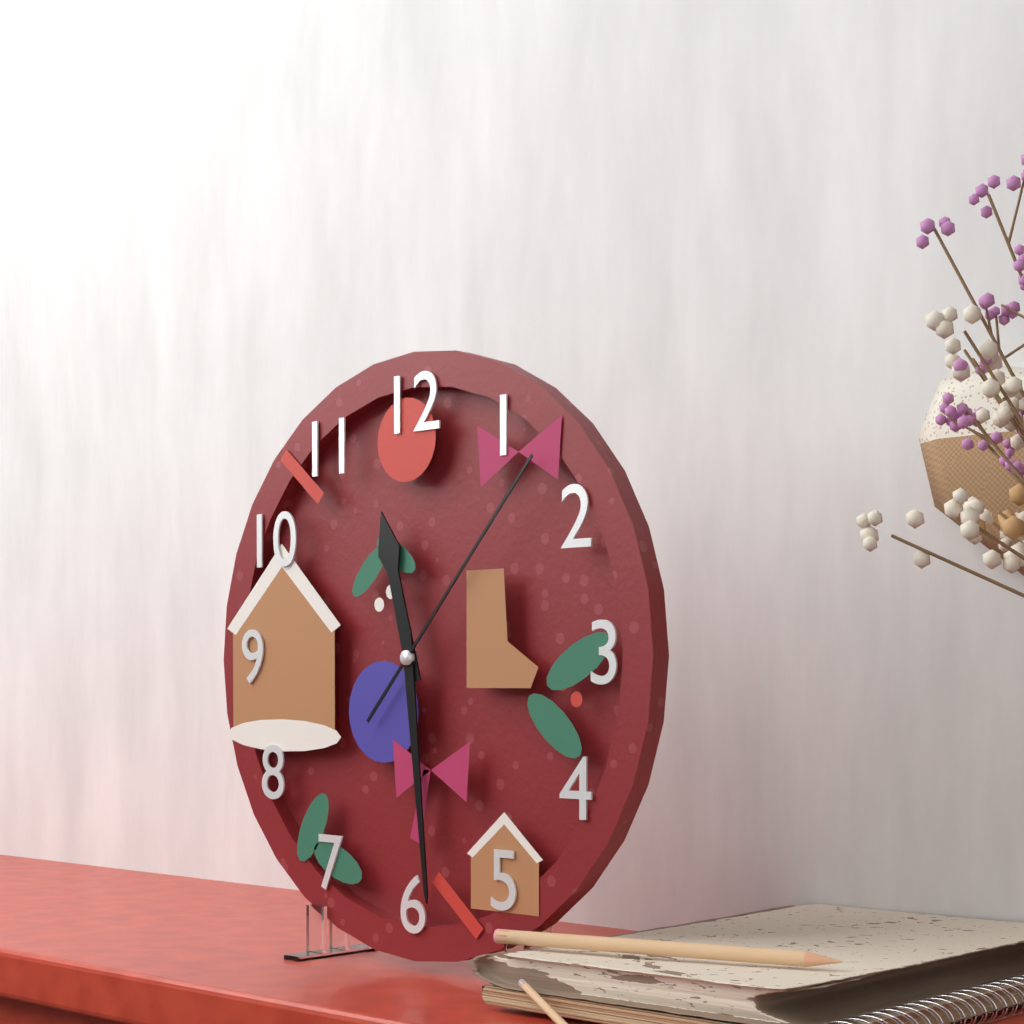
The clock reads 11:29:07
